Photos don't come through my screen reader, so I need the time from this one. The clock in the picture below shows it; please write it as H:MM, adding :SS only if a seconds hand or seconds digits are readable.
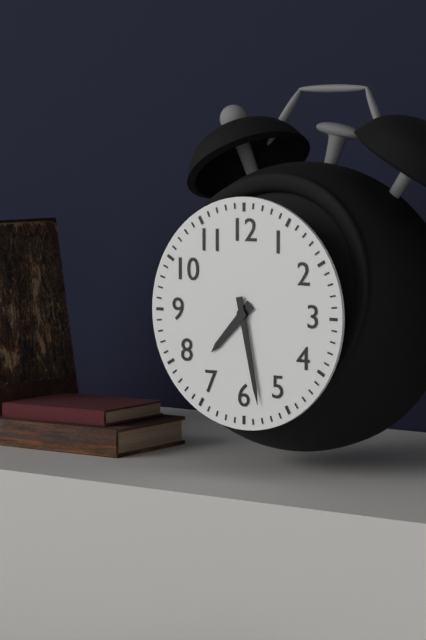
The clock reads 7:28
